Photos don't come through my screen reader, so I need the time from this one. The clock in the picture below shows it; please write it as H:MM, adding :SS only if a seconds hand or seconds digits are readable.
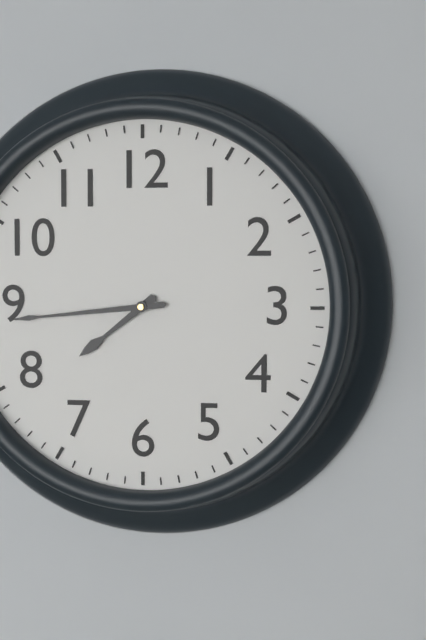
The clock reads 7:44
